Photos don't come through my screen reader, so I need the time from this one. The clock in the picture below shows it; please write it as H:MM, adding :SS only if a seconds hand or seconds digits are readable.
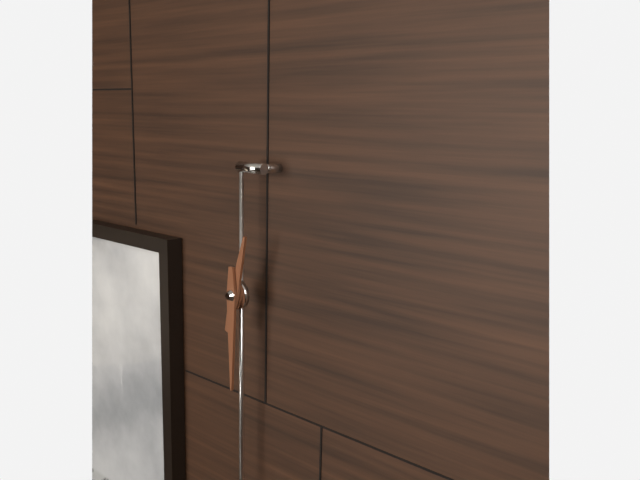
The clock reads 12:30
